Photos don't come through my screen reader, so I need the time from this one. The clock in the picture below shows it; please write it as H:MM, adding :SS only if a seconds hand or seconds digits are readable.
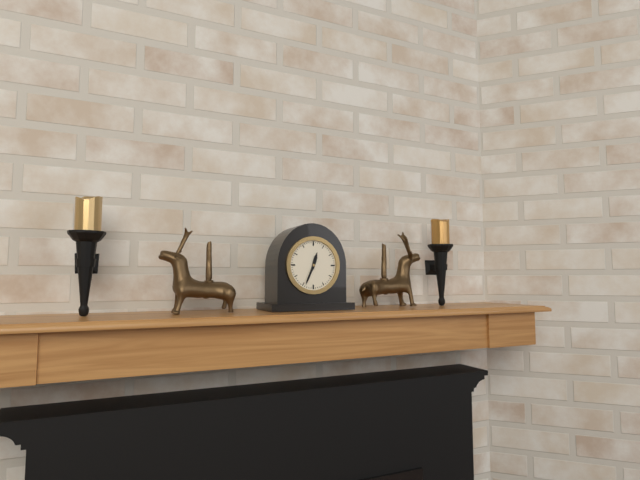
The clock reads 12:34
